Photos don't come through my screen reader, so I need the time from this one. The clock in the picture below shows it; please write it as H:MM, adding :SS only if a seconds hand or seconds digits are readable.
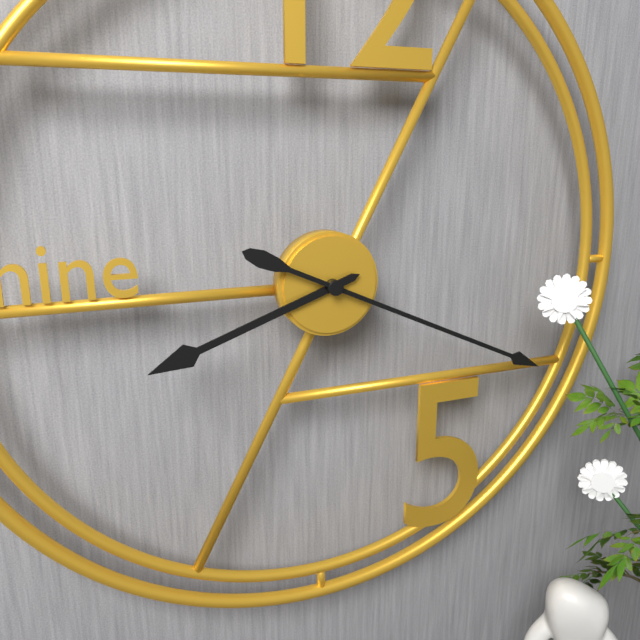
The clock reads 8:19
